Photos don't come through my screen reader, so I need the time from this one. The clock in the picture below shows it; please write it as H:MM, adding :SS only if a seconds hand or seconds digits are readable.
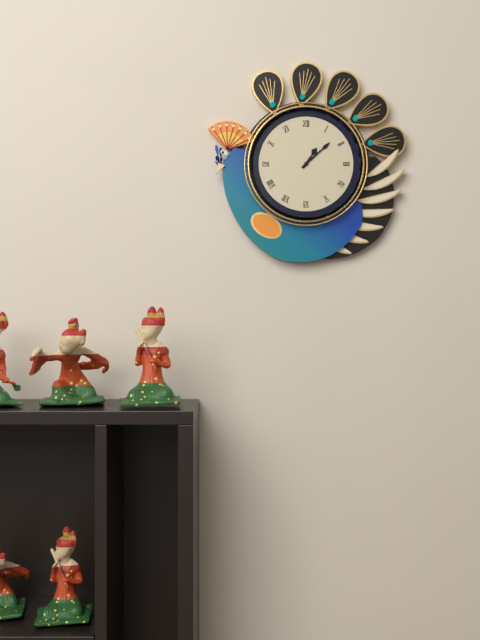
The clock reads 1:08
